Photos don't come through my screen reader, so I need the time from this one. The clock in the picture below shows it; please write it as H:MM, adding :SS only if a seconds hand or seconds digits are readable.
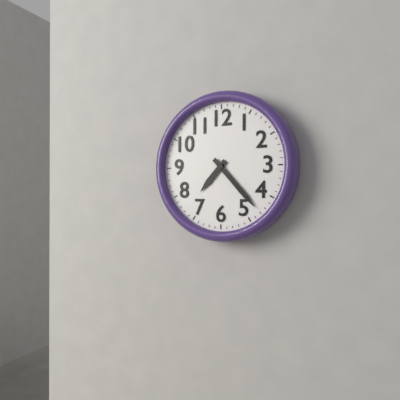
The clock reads 7:23
